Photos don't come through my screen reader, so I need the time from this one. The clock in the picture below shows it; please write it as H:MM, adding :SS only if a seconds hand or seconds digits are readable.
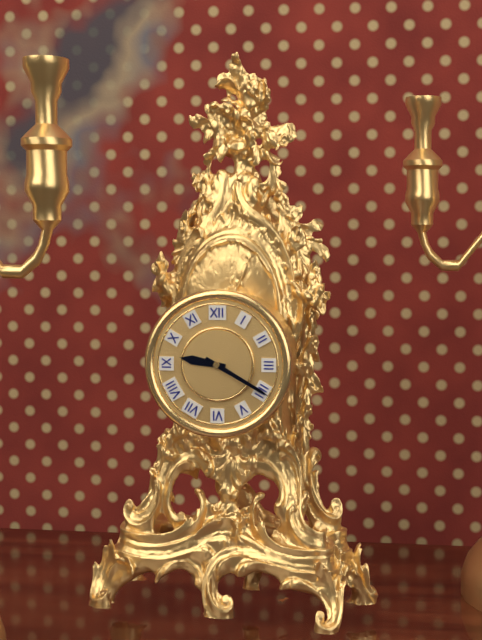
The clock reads 9:20
